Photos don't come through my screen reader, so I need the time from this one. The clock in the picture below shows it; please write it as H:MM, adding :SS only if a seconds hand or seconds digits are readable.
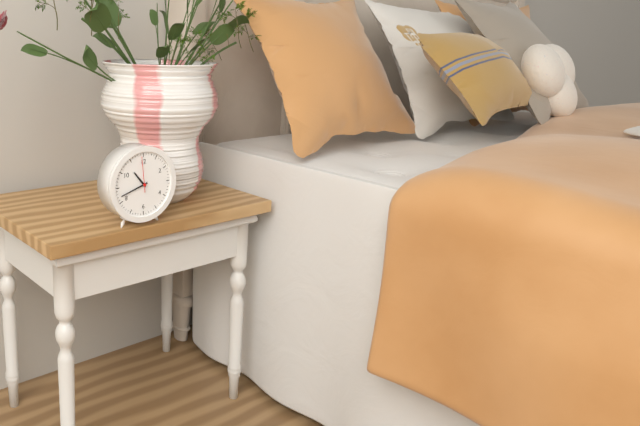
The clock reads 10:42
